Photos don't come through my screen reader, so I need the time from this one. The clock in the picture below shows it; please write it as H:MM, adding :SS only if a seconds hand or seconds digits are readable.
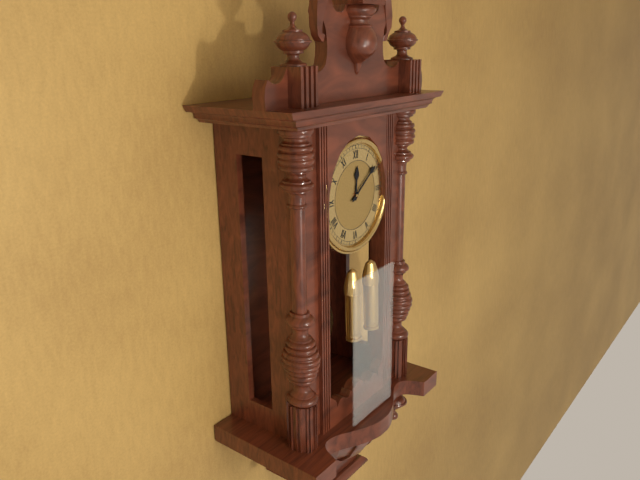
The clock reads 12:09
